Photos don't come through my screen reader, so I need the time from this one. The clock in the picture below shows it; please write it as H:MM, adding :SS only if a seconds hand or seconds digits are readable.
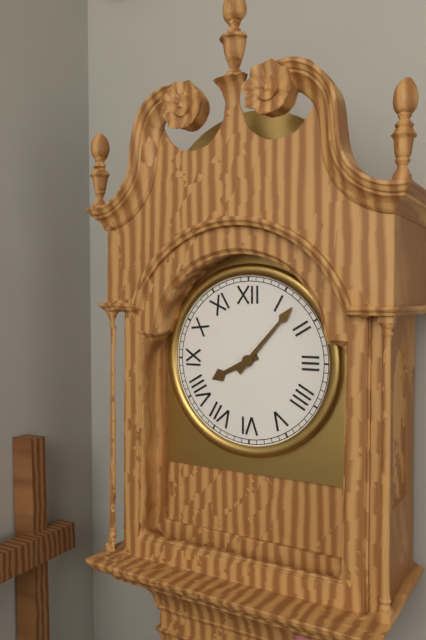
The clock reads 8:07
